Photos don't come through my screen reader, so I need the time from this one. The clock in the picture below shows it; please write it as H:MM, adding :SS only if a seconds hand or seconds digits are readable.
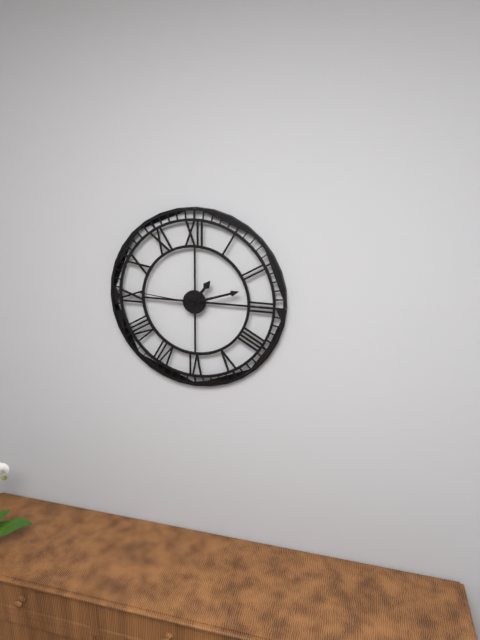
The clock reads 1:12:46
